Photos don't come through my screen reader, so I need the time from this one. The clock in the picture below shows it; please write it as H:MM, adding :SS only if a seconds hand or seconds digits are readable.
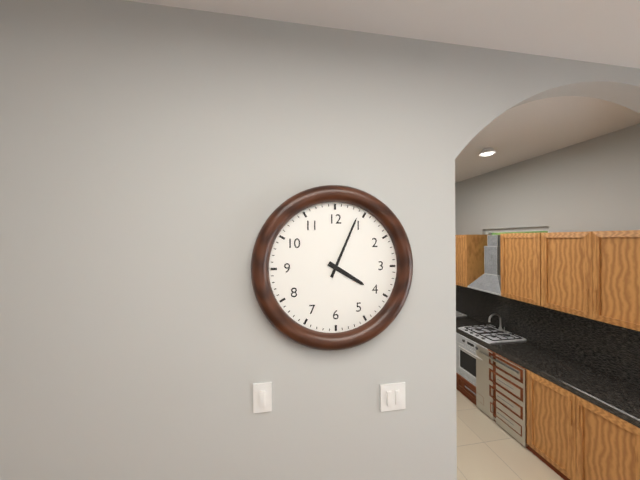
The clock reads 4:04
